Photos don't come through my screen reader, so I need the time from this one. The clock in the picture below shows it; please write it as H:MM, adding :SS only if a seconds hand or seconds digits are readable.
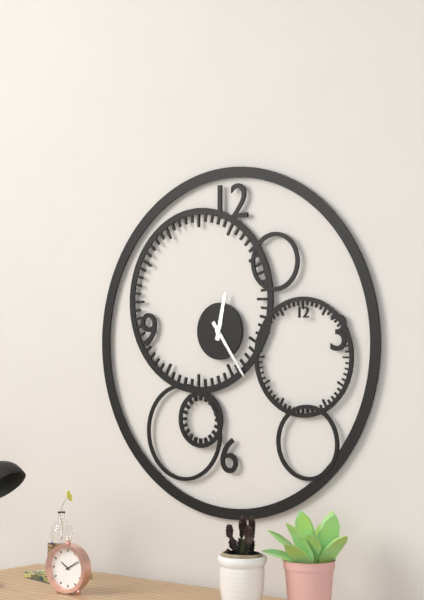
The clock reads 12:24
